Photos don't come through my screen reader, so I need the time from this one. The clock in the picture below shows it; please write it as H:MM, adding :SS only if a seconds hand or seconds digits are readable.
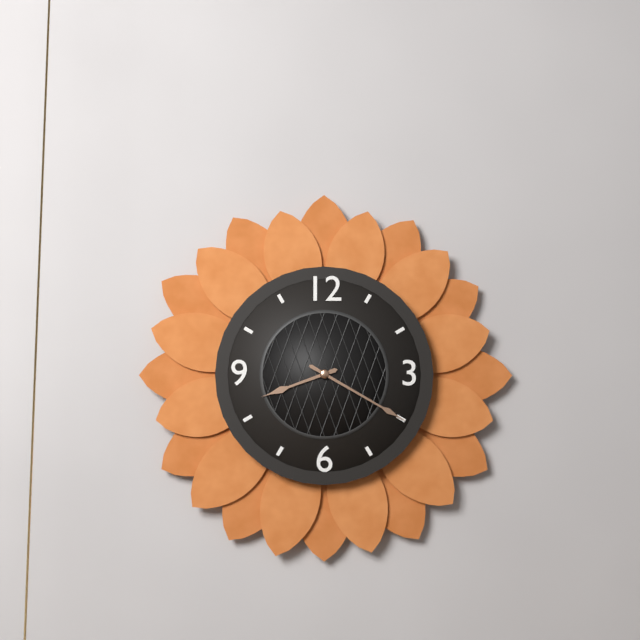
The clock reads 8:20
